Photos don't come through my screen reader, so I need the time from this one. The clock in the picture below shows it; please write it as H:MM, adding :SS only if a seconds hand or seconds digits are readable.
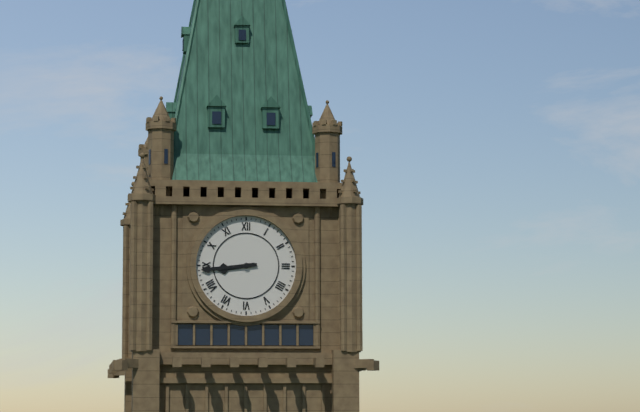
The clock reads 8:44
